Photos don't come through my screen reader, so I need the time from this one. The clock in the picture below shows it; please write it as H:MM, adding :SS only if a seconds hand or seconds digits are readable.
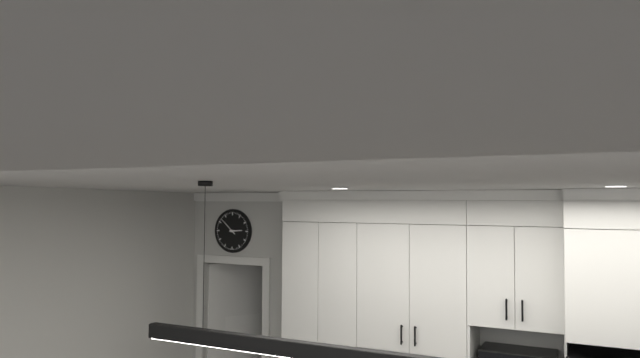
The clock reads 2:52
